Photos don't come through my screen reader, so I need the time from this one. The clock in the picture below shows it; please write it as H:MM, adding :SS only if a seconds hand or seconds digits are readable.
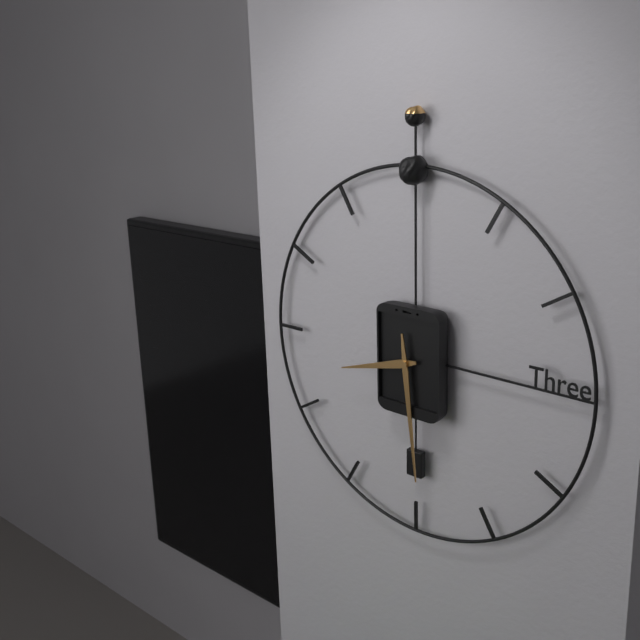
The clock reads 8:29
